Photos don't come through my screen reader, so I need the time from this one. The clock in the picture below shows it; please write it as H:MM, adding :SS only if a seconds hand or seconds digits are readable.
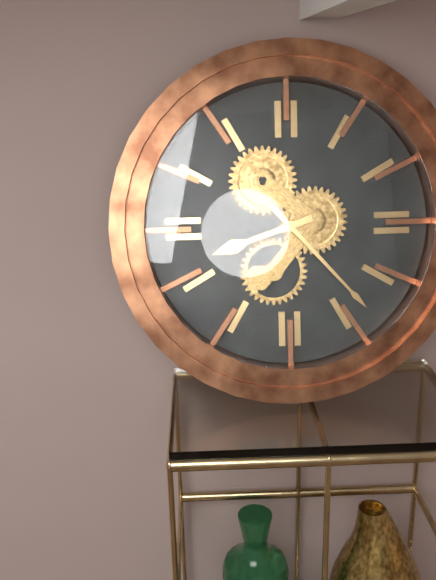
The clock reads 8:23
